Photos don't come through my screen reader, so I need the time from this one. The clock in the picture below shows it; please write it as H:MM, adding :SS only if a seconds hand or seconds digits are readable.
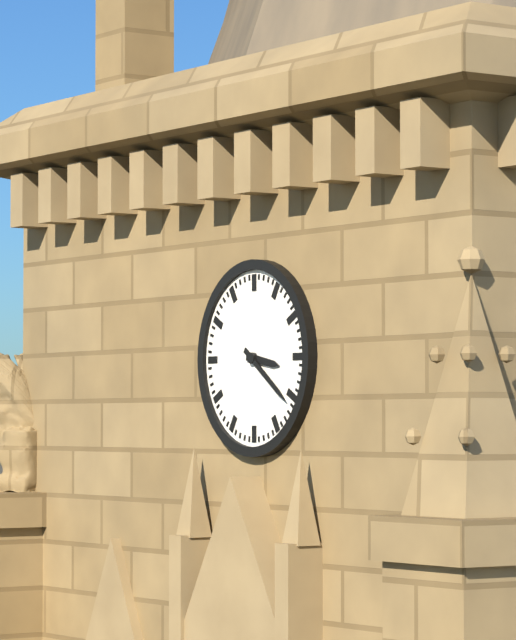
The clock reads 3:21
